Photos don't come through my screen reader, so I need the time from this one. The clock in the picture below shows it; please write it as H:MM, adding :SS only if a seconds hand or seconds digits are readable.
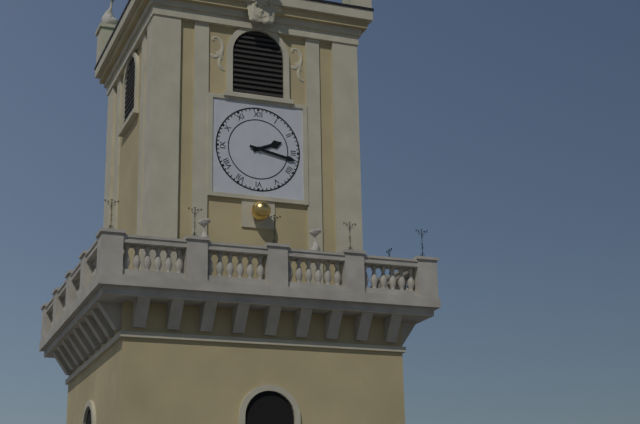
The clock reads 2:17
